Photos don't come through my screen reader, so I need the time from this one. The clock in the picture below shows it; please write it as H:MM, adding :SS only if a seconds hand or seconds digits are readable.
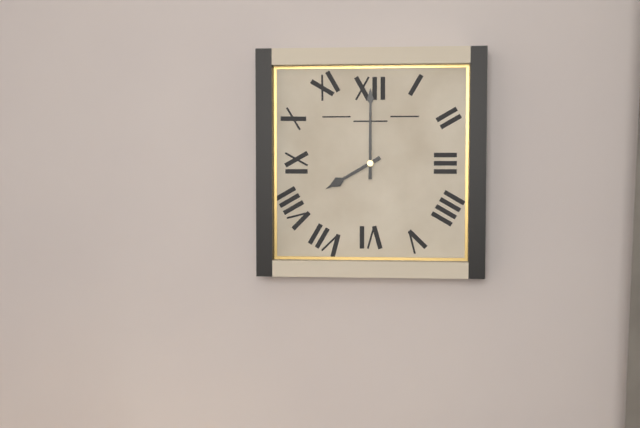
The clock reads 8:00
